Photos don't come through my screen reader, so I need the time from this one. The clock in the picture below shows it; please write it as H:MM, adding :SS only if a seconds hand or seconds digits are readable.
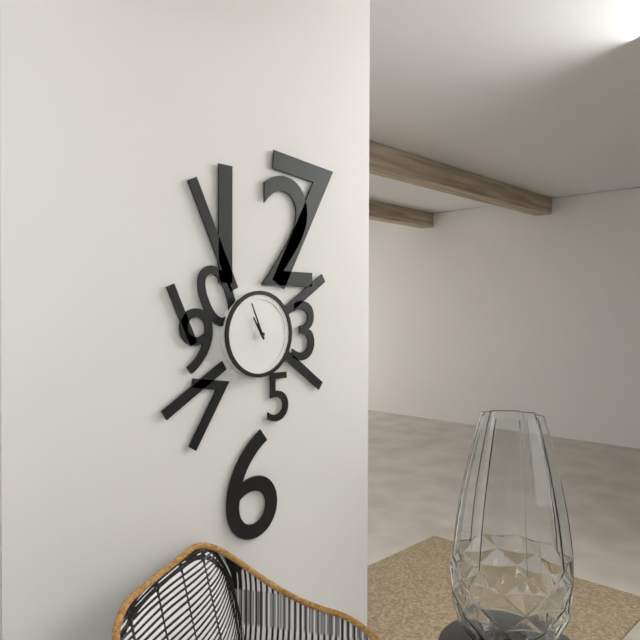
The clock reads 10:56
